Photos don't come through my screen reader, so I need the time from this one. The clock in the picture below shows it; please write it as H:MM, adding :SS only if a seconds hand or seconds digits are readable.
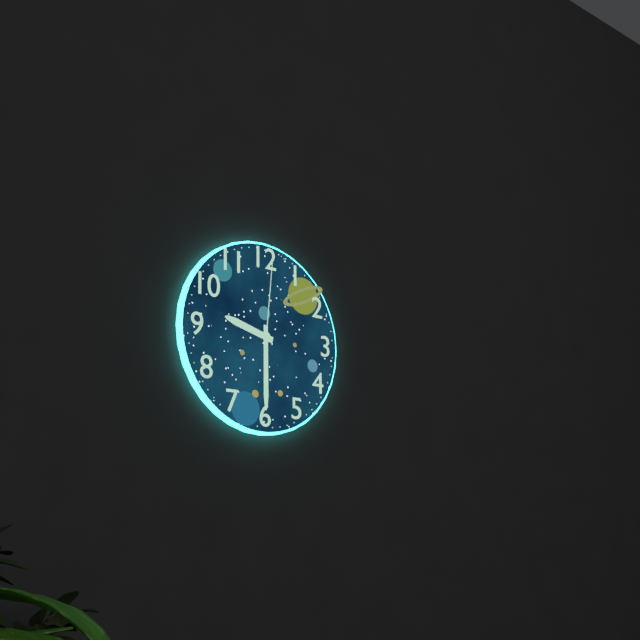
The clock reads 9:30:01
